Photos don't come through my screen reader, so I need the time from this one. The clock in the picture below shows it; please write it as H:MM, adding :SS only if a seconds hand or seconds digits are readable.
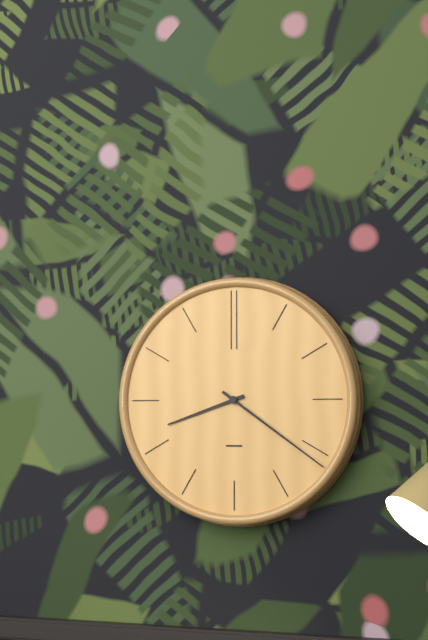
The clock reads 8:21
